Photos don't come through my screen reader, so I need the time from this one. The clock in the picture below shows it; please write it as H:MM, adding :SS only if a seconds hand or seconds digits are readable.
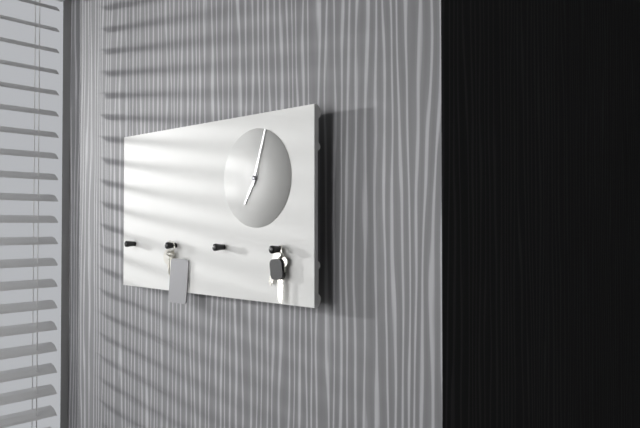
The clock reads 7:03
